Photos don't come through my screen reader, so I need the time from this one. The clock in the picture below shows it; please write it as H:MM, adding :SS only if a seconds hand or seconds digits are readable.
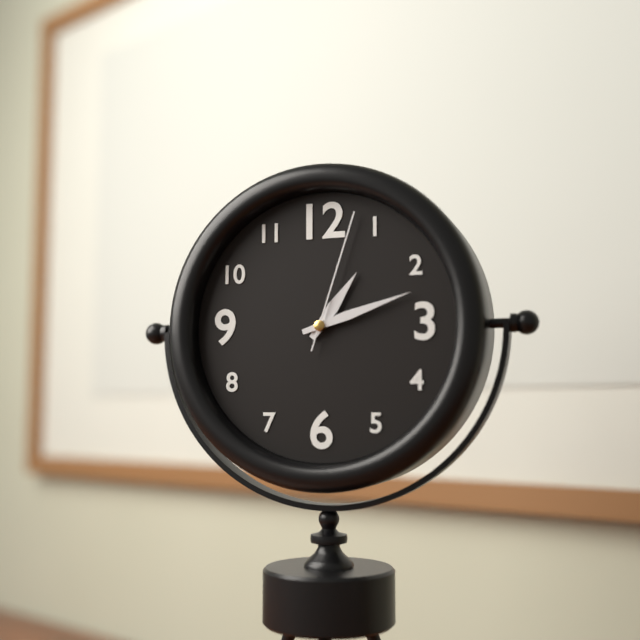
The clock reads 1:12:03
